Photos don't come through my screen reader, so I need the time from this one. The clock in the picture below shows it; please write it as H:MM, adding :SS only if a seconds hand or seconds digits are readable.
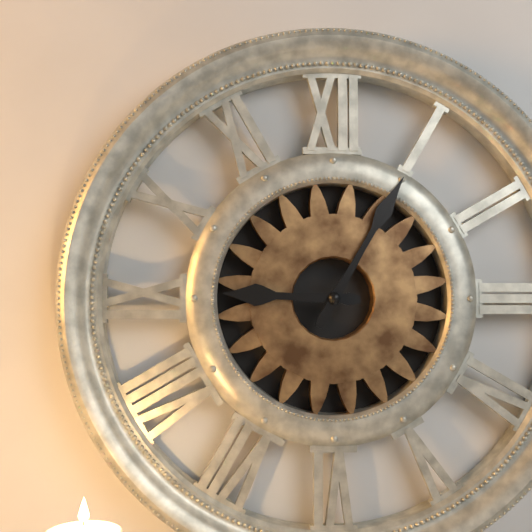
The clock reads 9:05
